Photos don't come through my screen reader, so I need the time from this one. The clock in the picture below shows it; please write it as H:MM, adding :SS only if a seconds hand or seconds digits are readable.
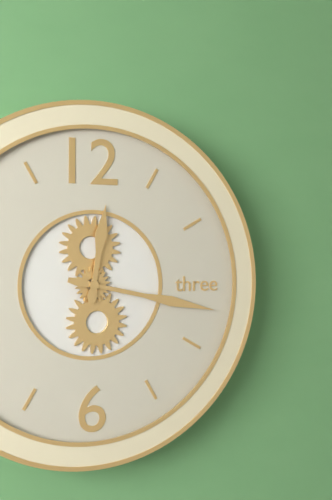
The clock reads 12:17
